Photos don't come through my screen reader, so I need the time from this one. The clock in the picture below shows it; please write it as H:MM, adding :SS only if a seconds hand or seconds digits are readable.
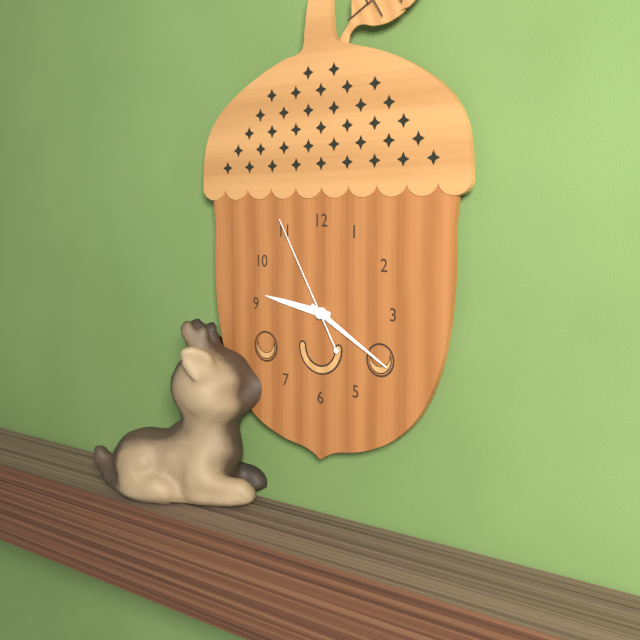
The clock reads 9:20:55
